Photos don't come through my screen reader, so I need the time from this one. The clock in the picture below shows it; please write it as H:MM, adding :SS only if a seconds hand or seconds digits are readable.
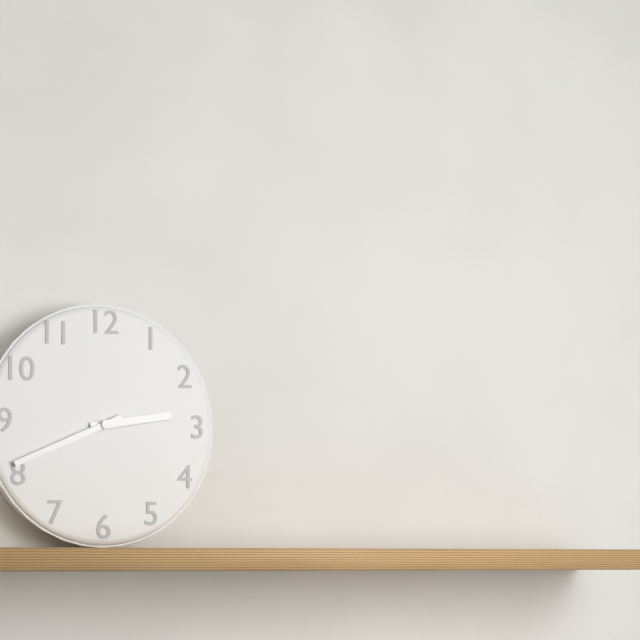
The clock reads 2:41
